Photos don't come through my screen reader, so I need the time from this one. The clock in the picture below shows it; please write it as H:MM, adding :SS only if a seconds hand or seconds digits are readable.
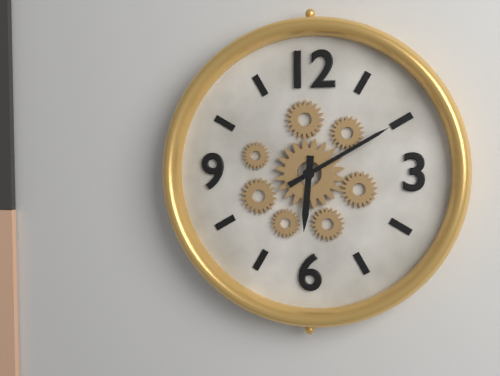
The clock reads 6:10
